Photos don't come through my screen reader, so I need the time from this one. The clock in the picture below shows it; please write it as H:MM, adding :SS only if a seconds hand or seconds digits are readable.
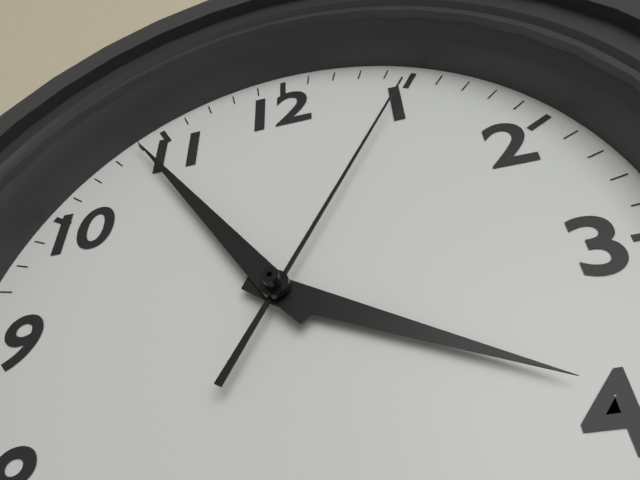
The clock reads 3:54:05
